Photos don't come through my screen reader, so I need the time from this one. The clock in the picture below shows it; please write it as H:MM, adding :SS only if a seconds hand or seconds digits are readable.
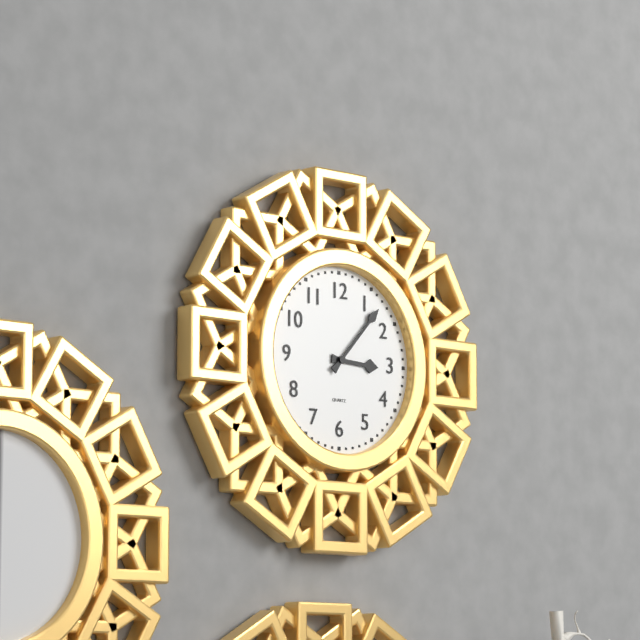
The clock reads 3:07
